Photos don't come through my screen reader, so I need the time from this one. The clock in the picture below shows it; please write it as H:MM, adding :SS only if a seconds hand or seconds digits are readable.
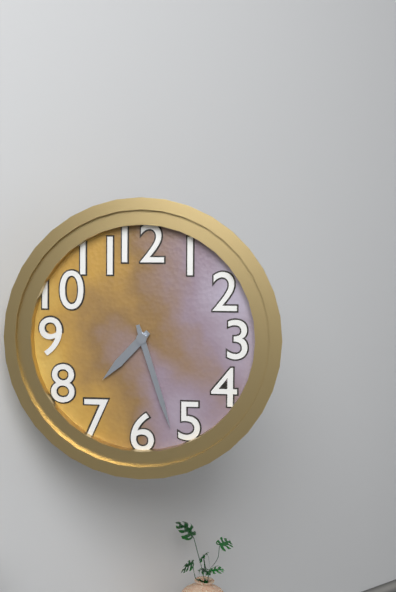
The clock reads 7:27
